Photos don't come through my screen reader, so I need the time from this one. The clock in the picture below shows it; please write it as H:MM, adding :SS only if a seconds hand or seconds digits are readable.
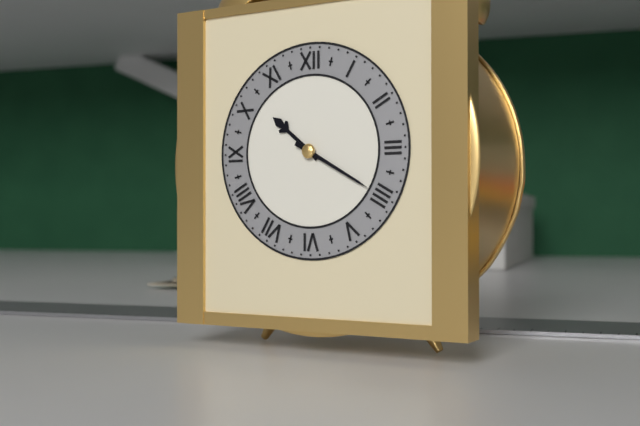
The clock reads 10:20
